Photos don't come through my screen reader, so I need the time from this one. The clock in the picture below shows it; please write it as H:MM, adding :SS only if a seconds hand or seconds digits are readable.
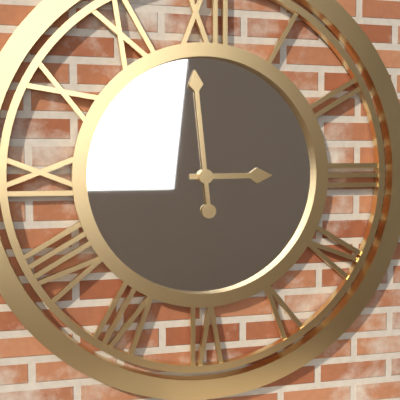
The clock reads 2:59
